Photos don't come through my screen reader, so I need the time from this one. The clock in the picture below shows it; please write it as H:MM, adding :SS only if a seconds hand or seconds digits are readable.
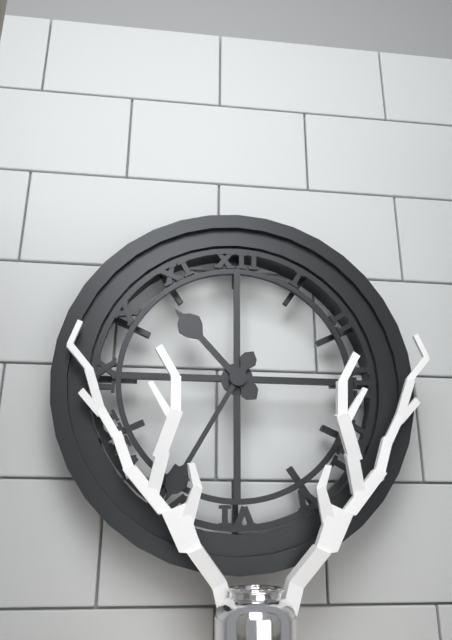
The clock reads 10:35
